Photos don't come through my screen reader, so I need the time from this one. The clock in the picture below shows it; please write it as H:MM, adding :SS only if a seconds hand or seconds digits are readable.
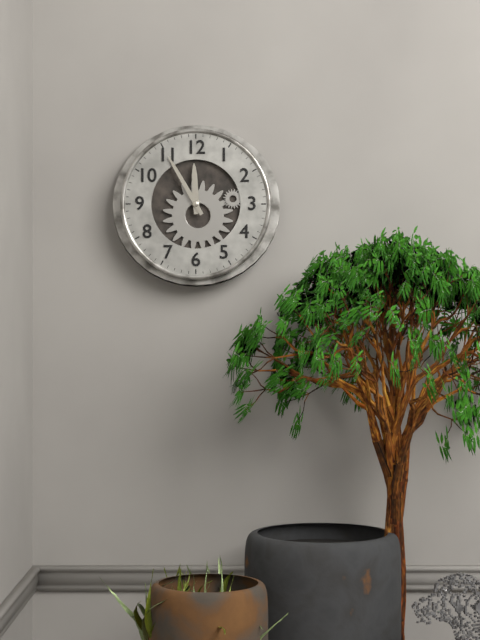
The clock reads 11:55
